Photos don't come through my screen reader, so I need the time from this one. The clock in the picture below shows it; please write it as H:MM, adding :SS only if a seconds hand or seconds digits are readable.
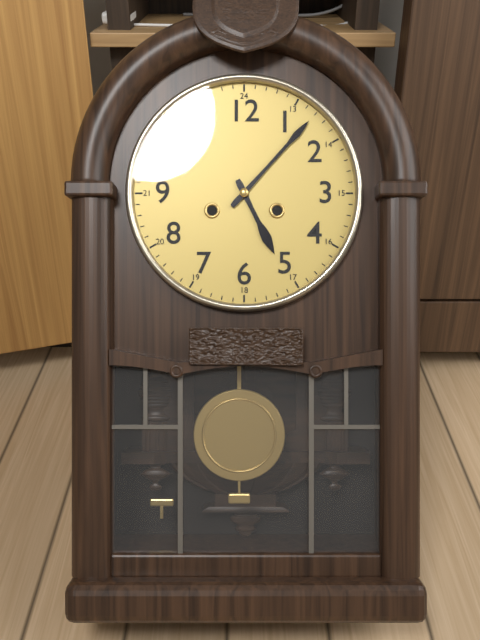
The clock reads 5:07
